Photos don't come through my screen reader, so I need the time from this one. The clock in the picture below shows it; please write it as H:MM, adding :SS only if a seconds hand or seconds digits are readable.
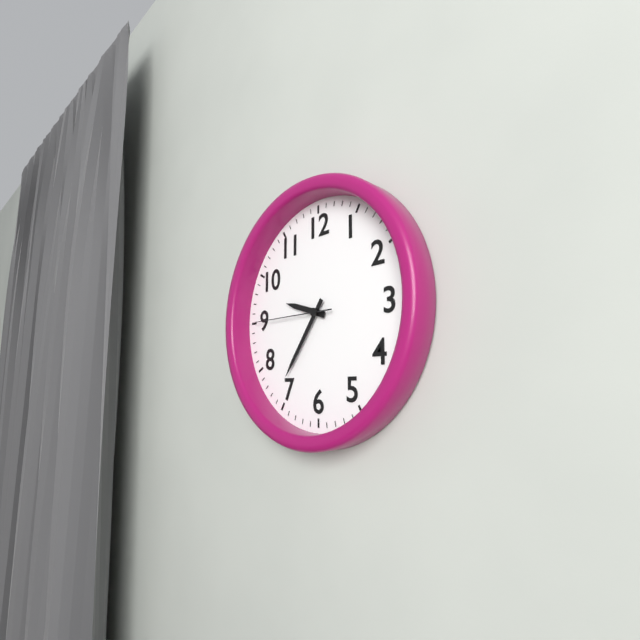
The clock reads 9:36:45
